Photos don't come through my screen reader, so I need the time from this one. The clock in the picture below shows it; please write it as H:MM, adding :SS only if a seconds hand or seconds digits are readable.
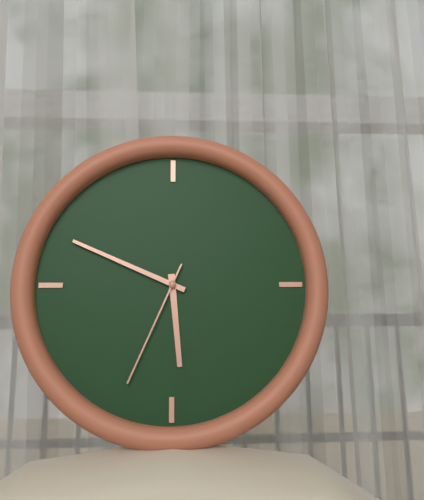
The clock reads 5:49:34
